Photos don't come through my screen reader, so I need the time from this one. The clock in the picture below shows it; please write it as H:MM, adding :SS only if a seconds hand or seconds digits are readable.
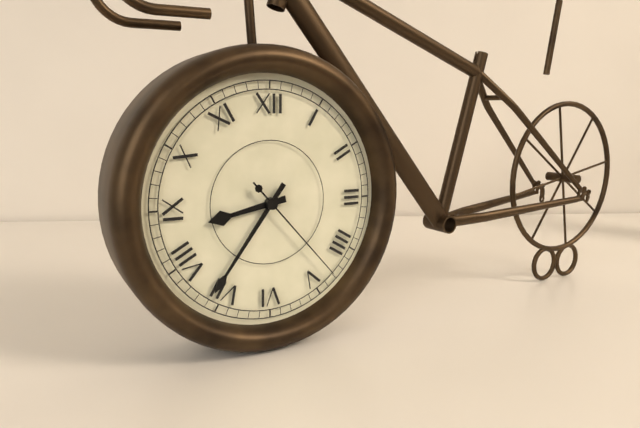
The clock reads 8:36:23
